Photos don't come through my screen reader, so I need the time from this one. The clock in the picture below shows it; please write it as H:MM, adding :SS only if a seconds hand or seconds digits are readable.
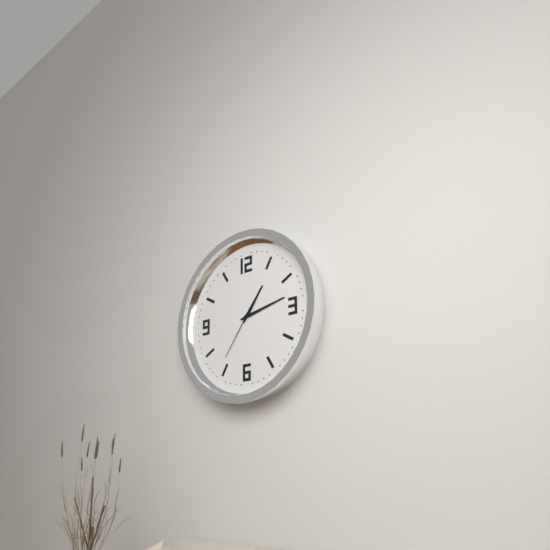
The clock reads 1:13:36
